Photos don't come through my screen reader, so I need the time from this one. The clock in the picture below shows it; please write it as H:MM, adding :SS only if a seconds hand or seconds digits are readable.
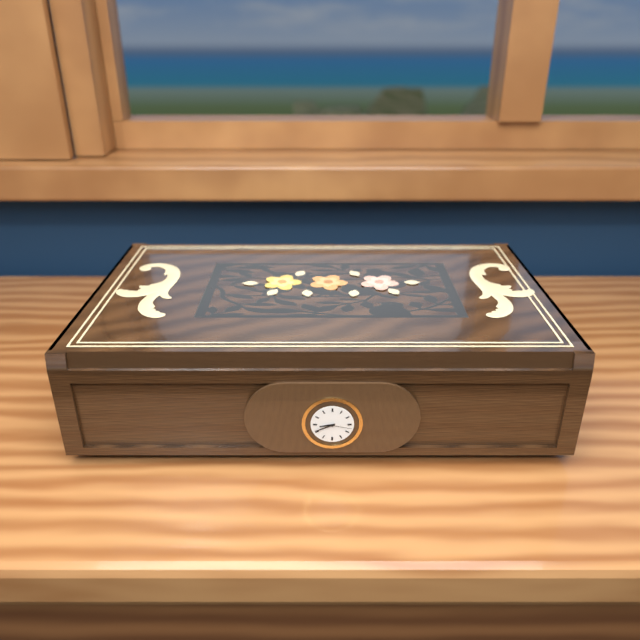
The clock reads 8:41:17
